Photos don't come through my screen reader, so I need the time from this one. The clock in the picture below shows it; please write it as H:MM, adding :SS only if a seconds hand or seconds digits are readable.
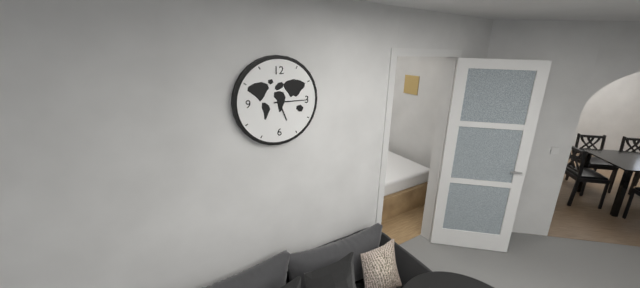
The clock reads 5:15
